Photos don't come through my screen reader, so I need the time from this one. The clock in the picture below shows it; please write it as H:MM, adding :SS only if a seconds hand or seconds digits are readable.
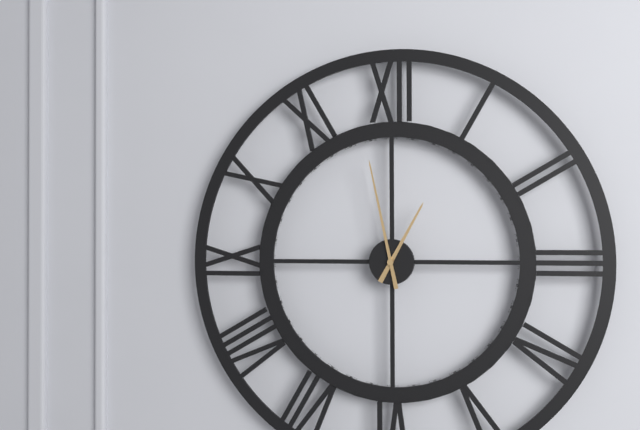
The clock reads 12:58
